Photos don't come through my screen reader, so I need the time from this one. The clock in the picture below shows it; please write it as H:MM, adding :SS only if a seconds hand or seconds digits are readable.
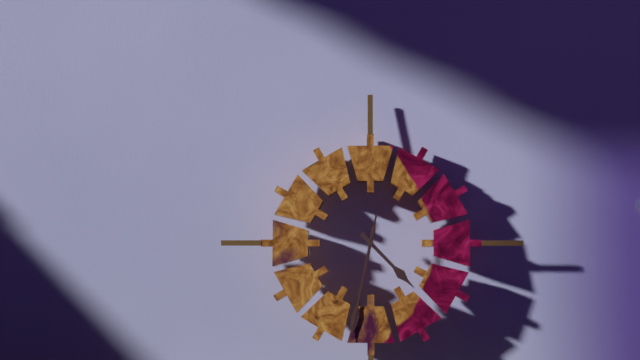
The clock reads 4:32:32
